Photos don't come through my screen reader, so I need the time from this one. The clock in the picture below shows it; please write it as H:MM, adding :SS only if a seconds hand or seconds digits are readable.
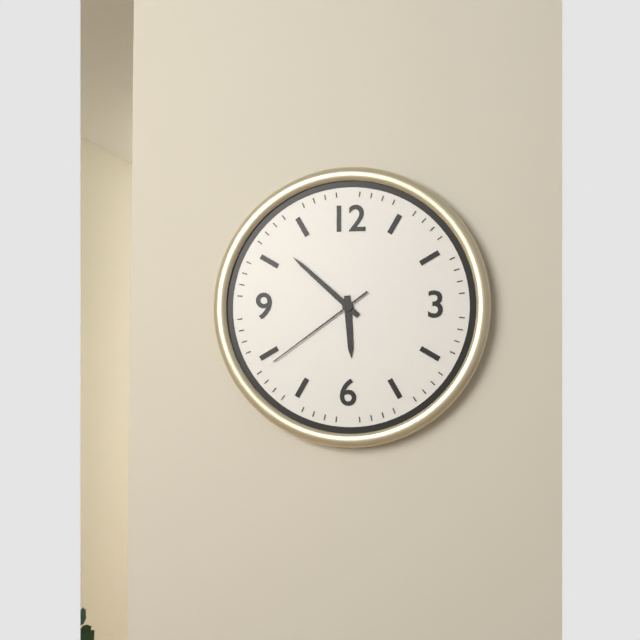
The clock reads 5:52:39
